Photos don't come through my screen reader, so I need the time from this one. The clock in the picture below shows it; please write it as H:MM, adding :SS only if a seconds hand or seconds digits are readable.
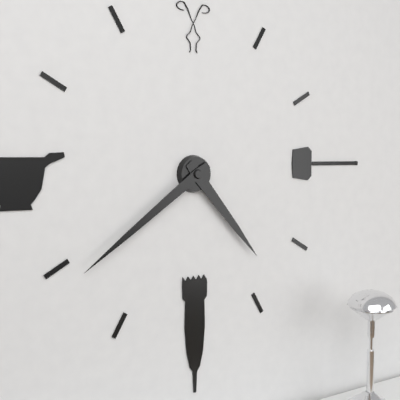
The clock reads 4:39
